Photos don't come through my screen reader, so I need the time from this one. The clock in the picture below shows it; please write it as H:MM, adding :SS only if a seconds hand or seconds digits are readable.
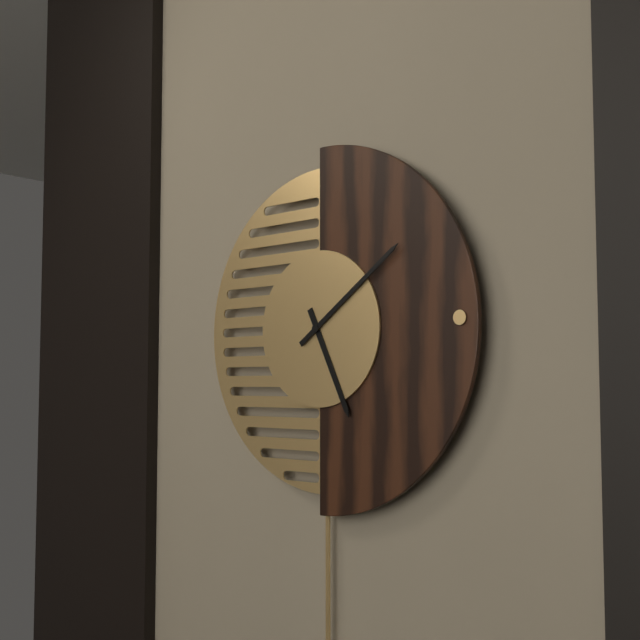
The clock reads 5:09
